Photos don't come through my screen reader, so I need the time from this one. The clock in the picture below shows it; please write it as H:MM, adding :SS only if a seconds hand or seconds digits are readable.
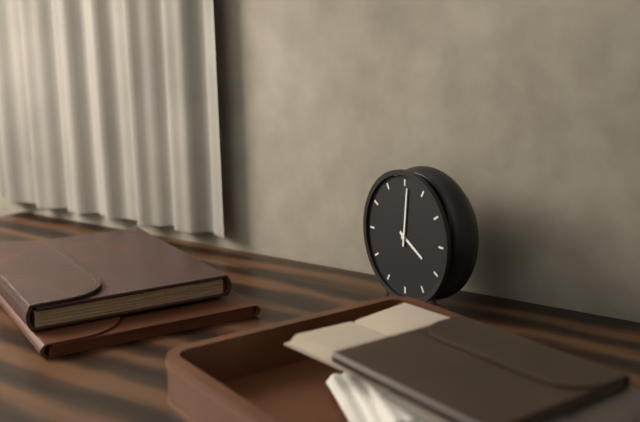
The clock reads 4:01
